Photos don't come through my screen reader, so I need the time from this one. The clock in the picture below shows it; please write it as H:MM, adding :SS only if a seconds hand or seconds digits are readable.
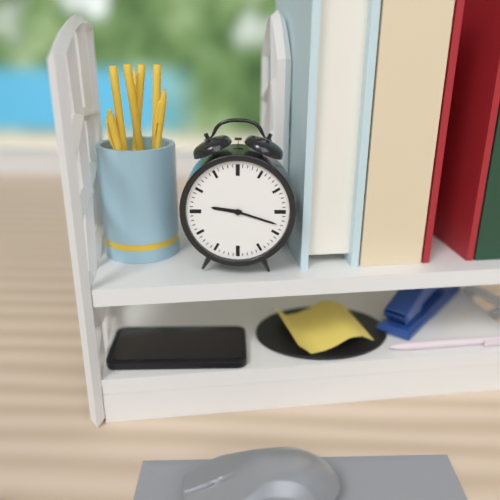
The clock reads 9:18
